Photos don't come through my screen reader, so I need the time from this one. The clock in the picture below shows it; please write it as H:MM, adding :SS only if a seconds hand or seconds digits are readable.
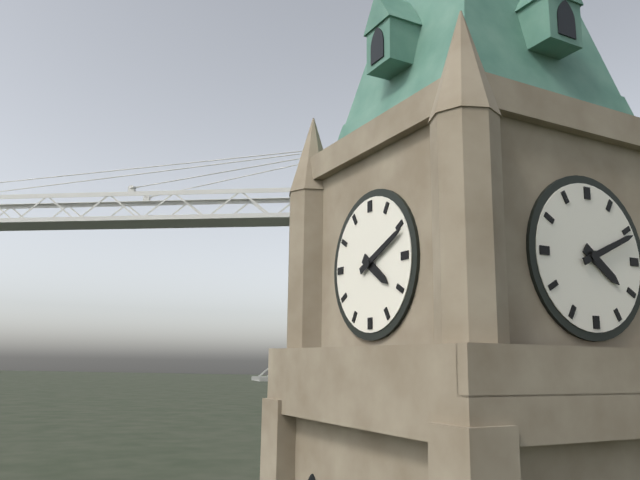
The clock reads 4:11
